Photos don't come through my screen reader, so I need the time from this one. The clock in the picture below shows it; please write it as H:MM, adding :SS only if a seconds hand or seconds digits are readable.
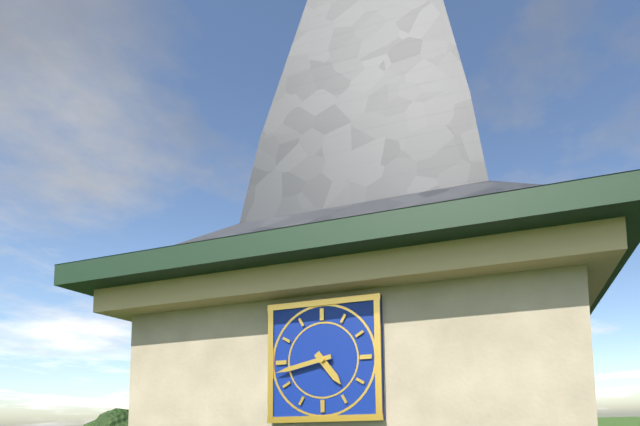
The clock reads 4:43
